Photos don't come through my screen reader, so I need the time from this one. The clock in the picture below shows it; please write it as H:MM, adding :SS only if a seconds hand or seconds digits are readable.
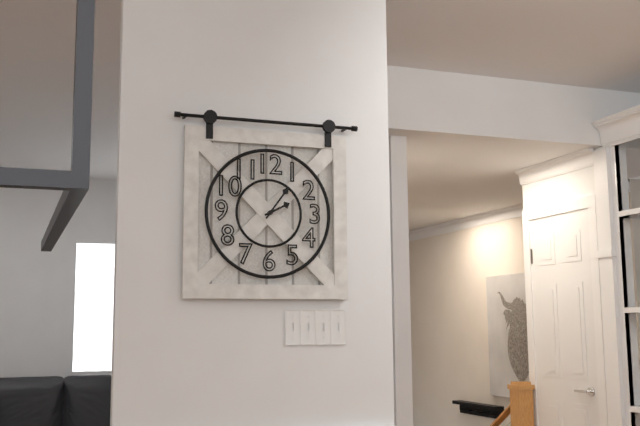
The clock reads 2:06
